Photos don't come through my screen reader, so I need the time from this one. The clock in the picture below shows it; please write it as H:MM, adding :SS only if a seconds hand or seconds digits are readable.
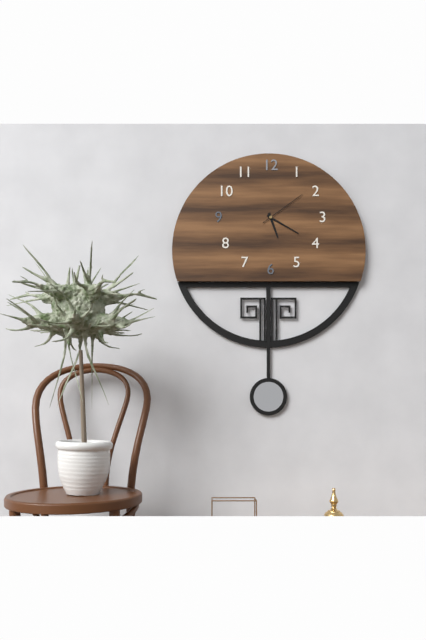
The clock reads 5:20
